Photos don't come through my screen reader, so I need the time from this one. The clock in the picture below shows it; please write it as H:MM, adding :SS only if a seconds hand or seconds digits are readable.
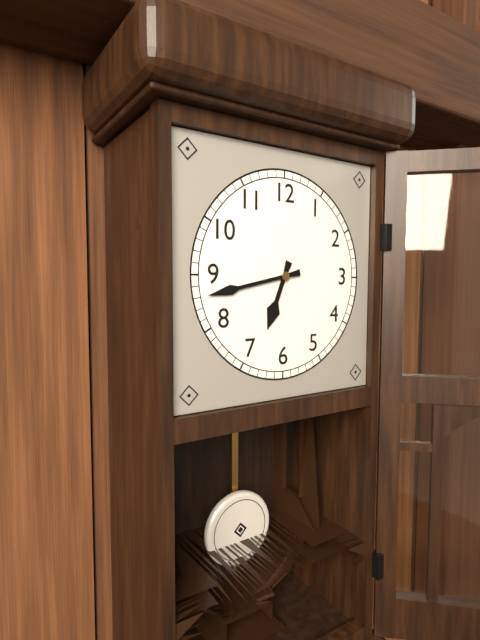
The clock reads 6:43
